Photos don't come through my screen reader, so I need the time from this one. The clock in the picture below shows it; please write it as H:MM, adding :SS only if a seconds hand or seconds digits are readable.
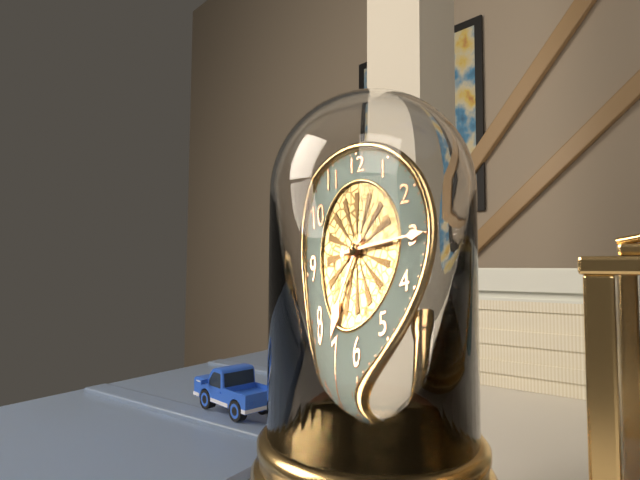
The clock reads 7:15
